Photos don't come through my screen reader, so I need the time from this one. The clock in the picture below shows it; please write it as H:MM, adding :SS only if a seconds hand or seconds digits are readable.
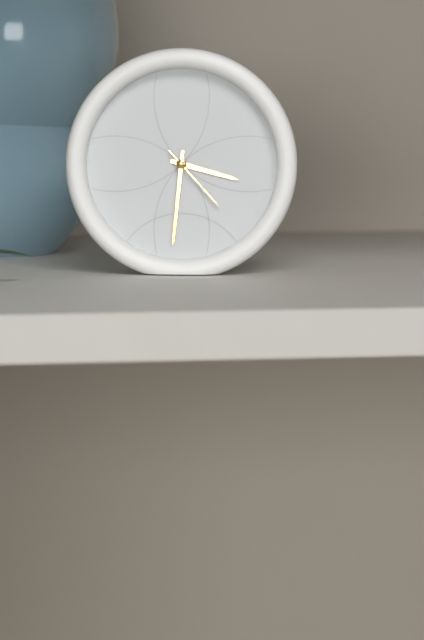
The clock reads 3:31:23
